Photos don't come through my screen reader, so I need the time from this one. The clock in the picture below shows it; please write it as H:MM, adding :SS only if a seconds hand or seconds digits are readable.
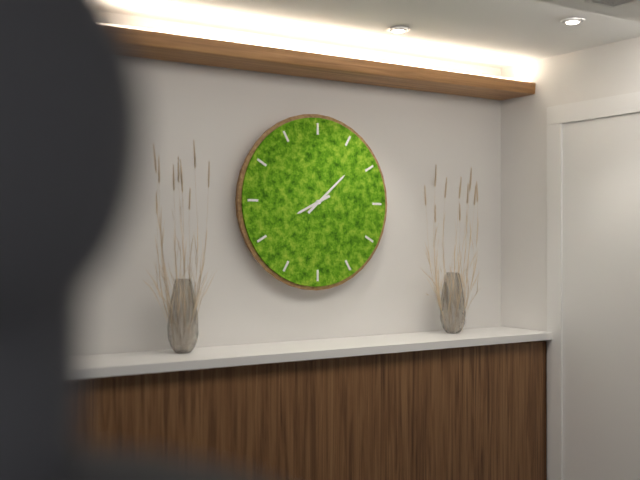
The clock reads 8:08
